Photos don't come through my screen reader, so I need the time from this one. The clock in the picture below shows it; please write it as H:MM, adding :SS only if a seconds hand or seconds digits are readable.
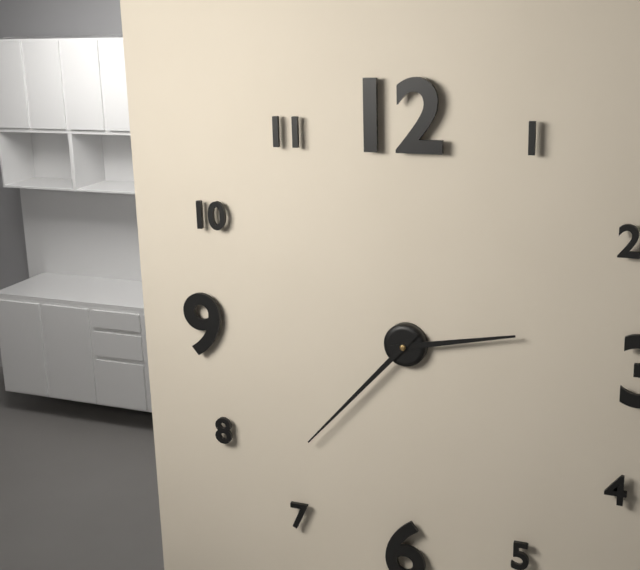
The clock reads 2:37
